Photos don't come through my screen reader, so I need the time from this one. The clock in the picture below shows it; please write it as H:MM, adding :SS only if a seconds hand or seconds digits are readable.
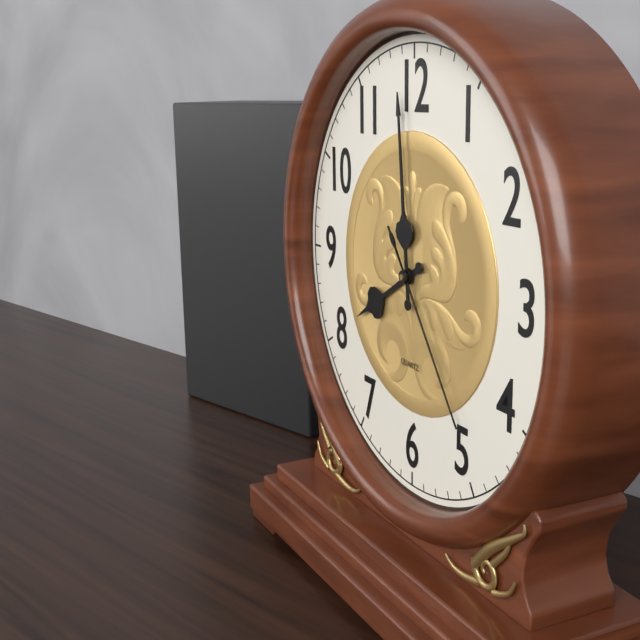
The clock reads 7:59:24
